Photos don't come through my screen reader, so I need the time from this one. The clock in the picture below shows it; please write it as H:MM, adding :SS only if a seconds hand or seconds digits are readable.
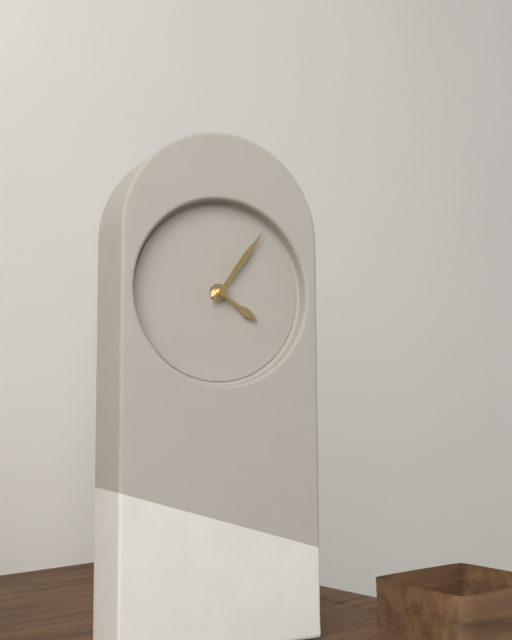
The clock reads 4:06
